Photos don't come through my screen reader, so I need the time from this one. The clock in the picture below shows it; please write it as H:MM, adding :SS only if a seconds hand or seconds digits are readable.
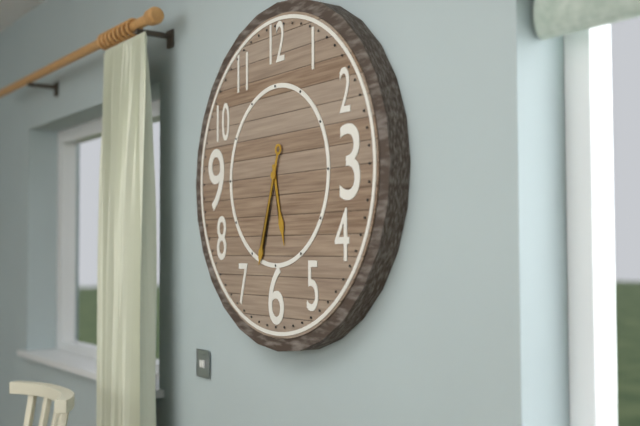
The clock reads 5:33
